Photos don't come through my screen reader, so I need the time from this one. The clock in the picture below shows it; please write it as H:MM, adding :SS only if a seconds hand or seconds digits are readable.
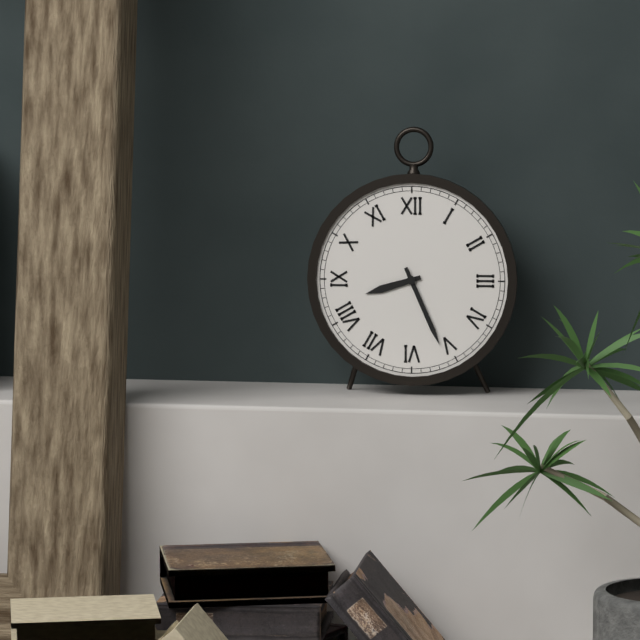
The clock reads 8:26
